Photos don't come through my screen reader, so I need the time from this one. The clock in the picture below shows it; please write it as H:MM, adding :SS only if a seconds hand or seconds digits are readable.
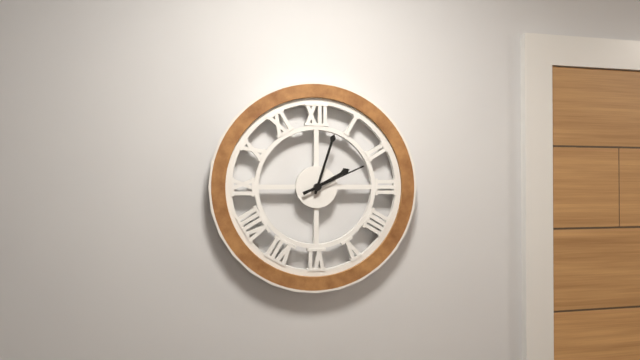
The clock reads 2:03:11
